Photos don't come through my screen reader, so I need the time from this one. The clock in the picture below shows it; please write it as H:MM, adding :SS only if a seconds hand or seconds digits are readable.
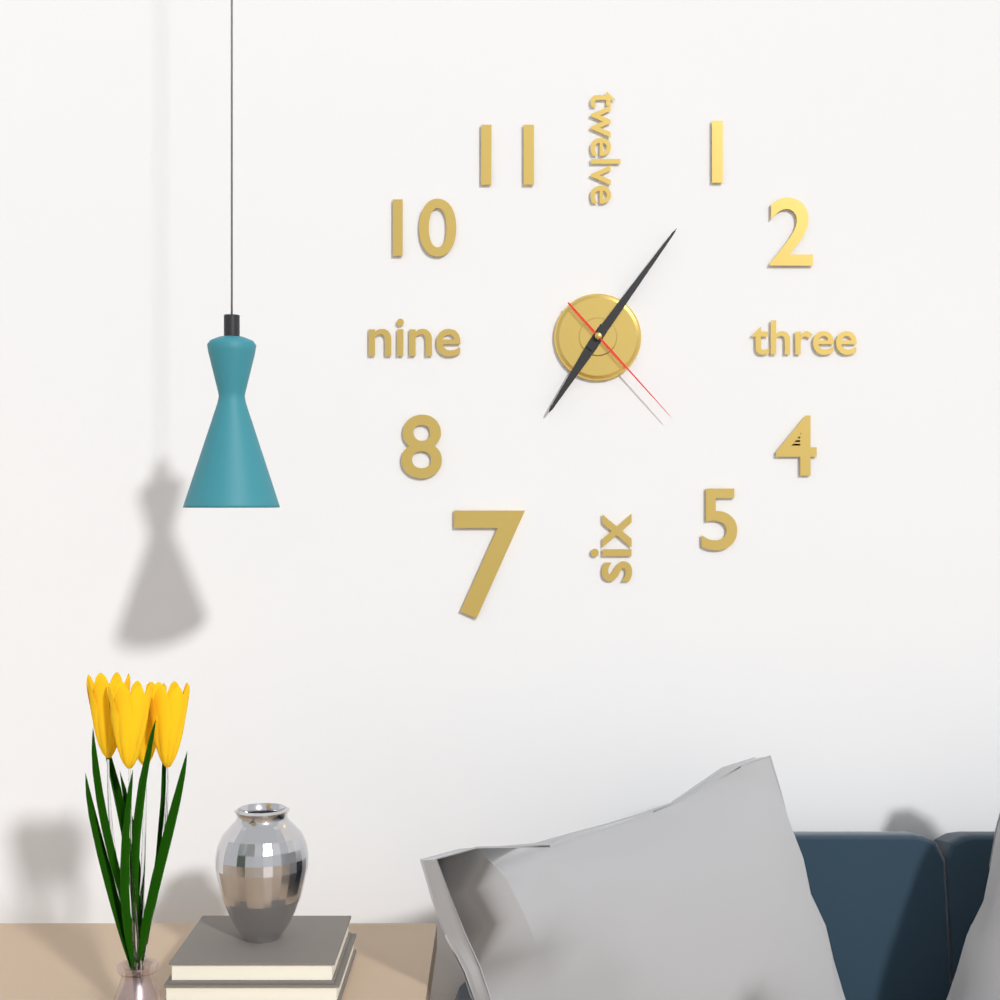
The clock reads 7:06:23
